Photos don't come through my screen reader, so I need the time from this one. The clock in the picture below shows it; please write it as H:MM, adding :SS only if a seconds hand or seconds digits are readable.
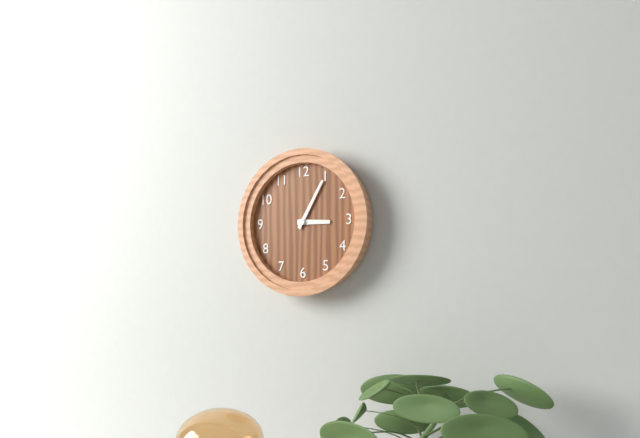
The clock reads 3:05
